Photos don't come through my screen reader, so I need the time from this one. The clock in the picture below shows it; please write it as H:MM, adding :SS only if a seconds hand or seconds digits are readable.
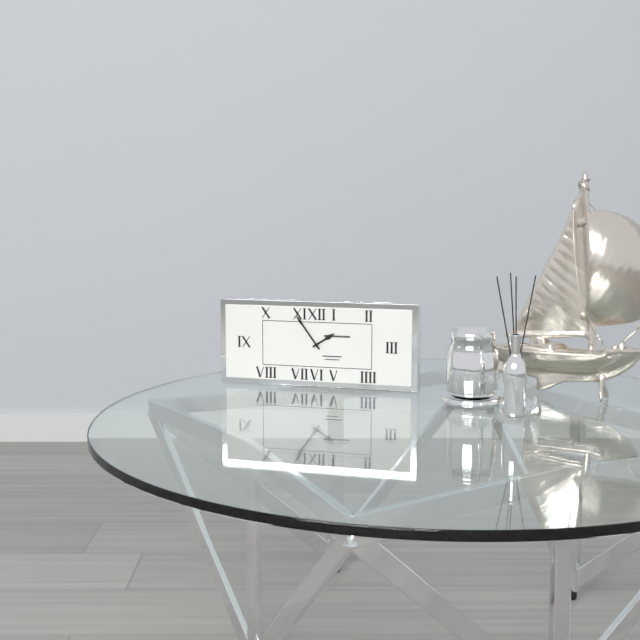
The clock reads 1:54
